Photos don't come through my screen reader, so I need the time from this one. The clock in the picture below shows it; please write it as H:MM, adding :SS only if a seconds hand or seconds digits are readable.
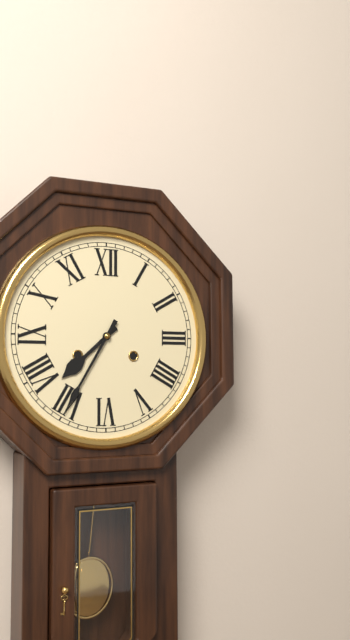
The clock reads 7:35
